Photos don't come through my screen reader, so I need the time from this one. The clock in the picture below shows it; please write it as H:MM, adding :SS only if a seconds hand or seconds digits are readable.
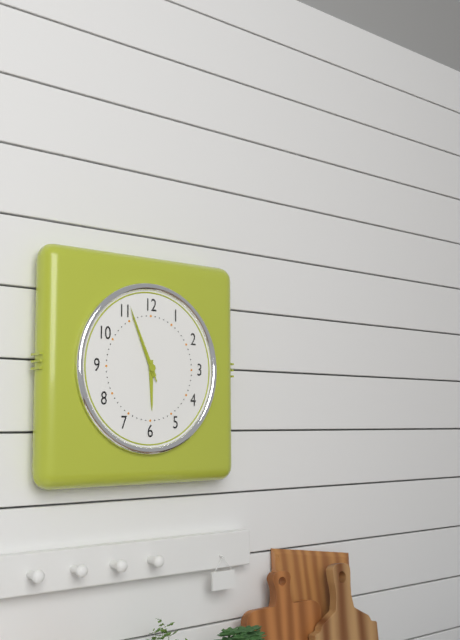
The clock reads 5:56:56
